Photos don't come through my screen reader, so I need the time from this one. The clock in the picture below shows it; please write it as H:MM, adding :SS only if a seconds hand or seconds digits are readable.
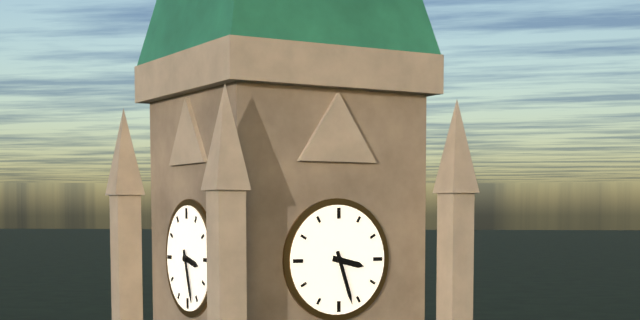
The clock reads 3:27
